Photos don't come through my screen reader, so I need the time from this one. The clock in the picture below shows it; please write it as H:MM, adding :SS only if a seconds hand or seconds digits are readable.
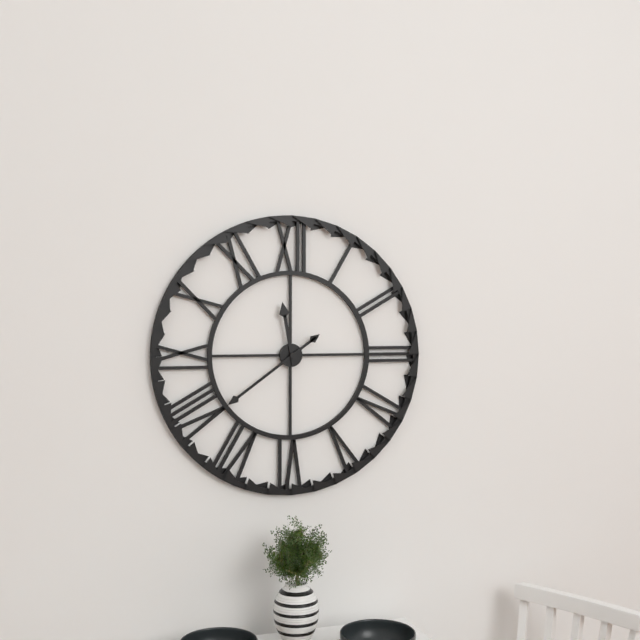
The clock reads 11:39
